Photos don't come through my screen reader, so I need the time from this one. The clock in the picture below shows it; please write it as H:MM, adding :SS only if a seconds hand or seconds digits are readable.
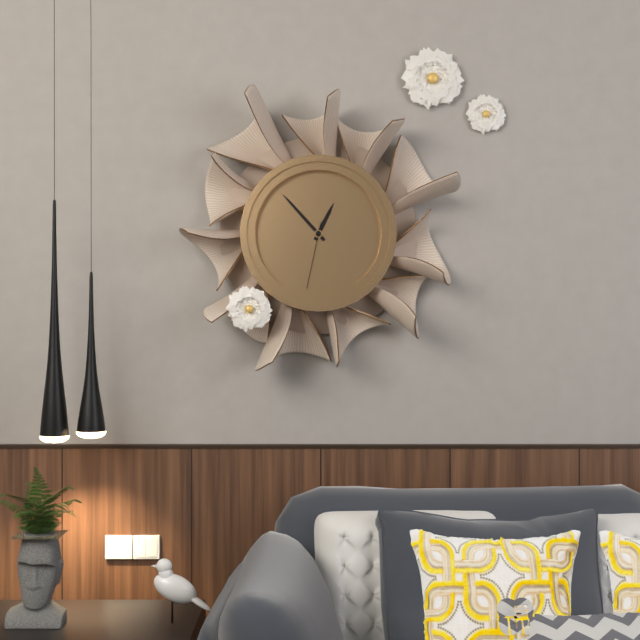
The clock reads 12:53:32
